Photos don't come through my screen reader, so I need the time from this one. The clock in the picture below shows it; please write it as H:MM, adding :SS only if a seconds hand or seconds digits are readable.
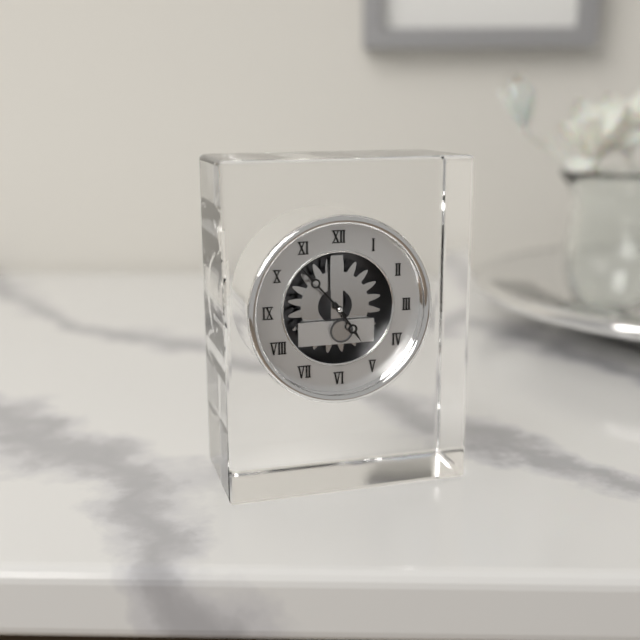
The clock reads 4:53
